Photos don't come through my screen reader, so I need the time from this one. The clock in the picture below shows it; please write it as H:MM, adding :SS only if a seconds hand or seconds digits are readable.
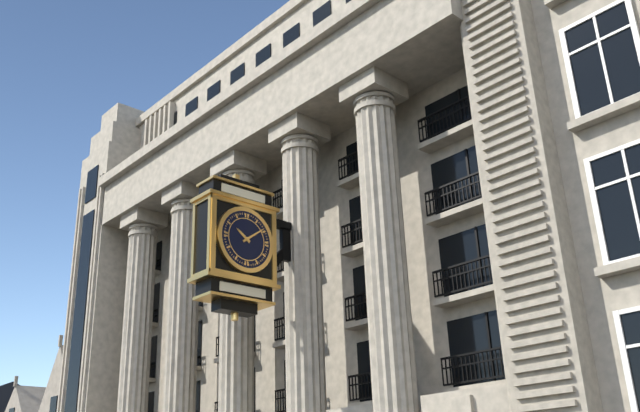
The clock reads 10:09
